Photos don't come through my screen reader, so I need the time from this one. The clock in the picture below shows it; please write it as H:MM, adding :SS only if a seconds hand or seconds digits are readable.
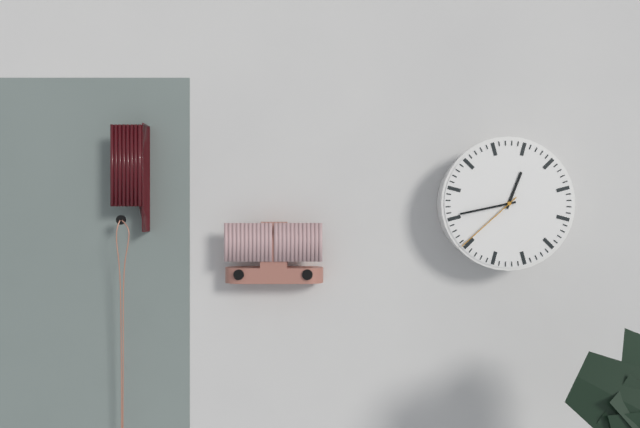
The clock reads 12:43:38
